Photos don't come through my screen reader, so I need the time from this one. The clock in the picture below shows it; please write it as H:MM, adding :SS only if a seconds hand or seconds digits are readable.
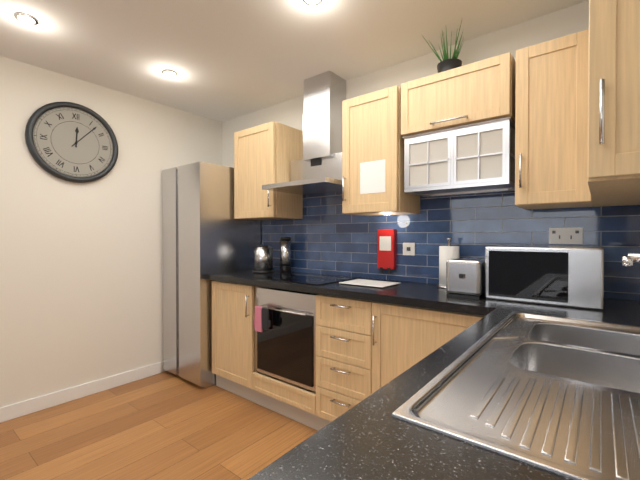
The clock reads 12:07
